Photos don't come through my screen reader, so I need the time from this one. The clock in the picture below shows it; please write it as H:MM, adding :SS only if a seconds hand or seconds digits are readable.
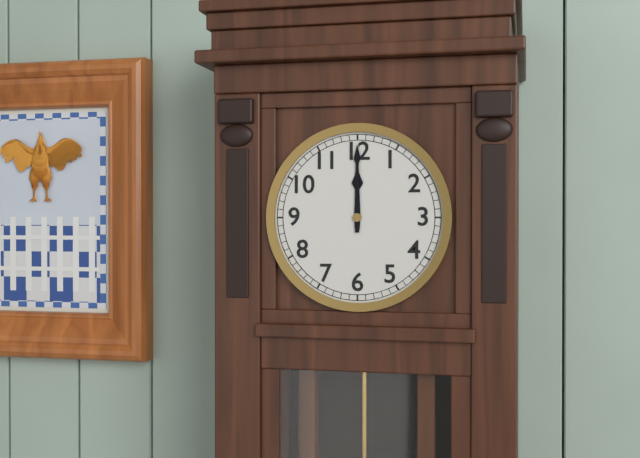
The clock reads 12:00
